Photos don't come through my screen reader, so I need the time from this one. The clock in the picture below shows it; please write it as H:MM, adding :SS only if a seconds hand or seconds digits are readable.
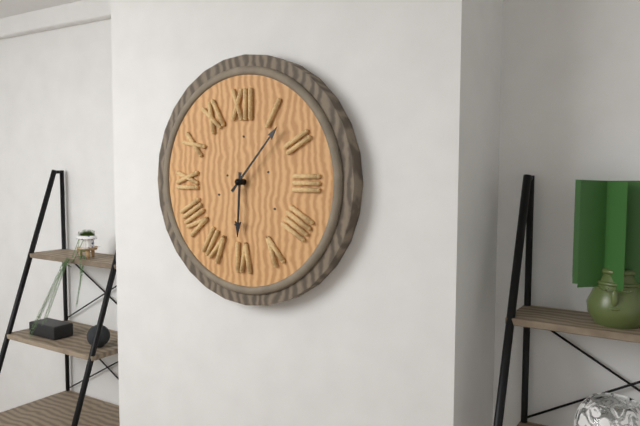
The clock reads 6:07
